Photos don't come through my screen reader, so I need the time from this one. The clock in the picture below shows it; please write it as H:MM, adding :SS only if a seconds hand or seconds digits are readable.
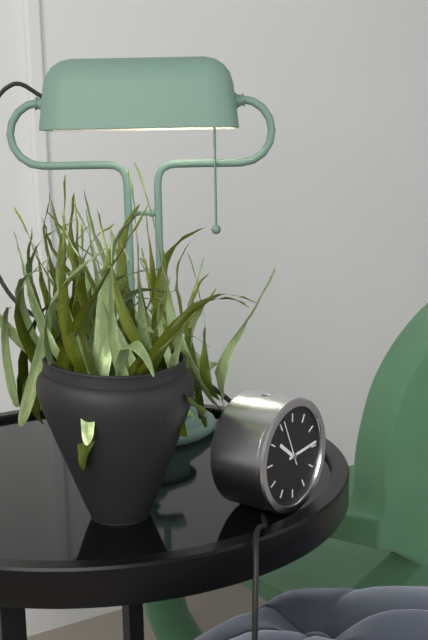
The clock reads 10:14
